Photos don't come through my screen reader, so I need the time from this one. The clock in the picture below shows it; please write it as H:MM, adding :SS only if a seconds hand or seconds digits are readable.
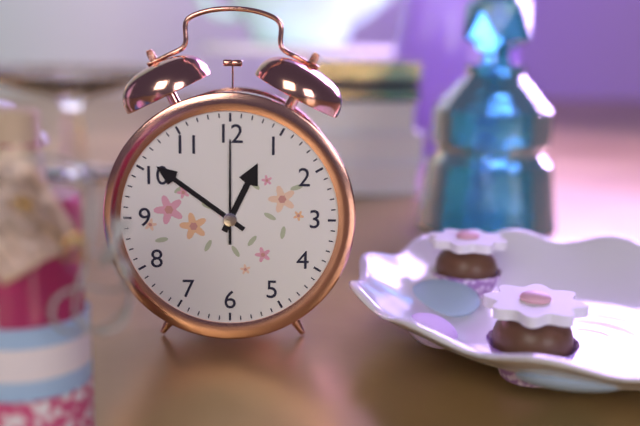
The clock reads 12:51:00
